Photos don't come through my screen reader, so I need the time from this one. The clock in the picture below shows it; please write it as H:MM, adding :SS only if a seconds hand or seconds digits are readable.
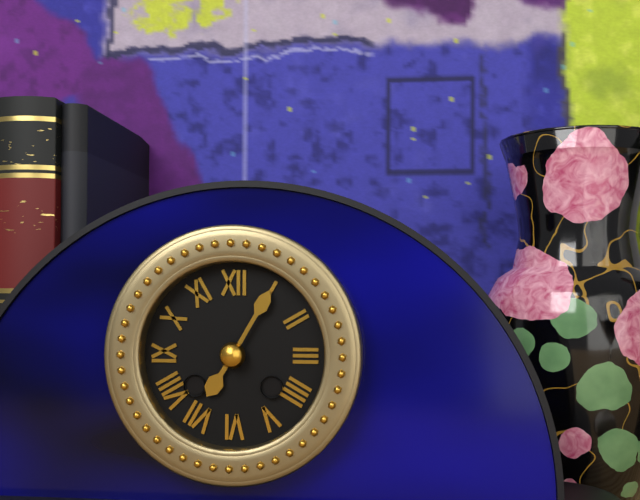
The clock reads 7:05
